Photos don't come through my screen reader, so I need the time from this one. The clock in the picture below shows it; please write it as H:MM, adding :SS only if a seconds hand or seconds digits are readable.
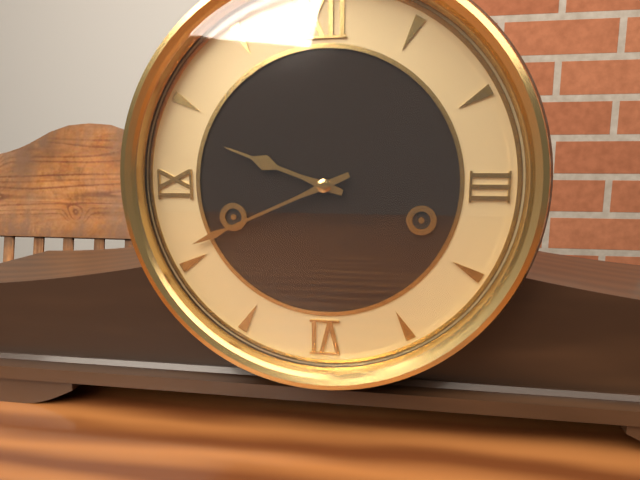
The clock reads 9:41
